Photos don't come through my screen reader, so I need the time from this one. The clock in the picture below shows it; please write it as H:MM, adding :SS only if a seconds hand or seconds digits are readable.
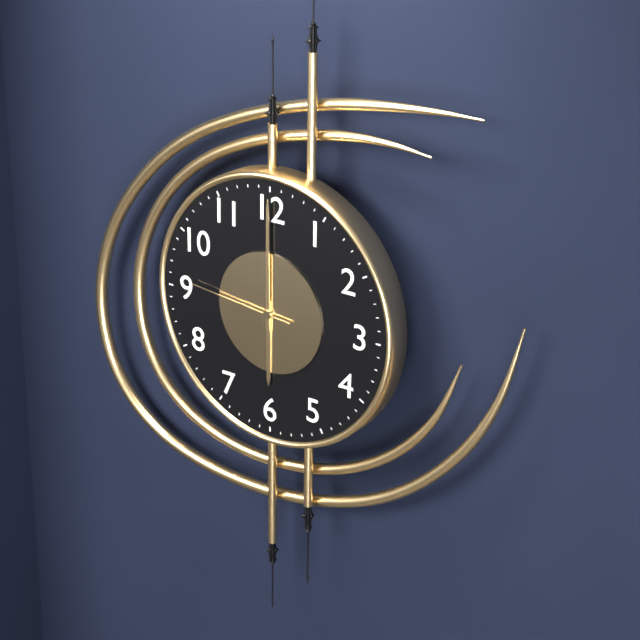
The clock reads 6:00:46
